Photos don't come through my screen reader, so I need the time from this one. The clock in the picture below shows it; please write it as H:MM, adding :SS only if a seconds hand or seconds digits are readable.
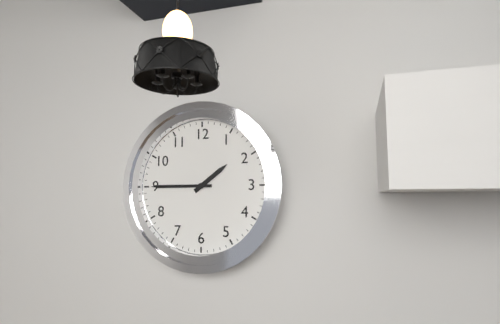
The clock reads 1:45
